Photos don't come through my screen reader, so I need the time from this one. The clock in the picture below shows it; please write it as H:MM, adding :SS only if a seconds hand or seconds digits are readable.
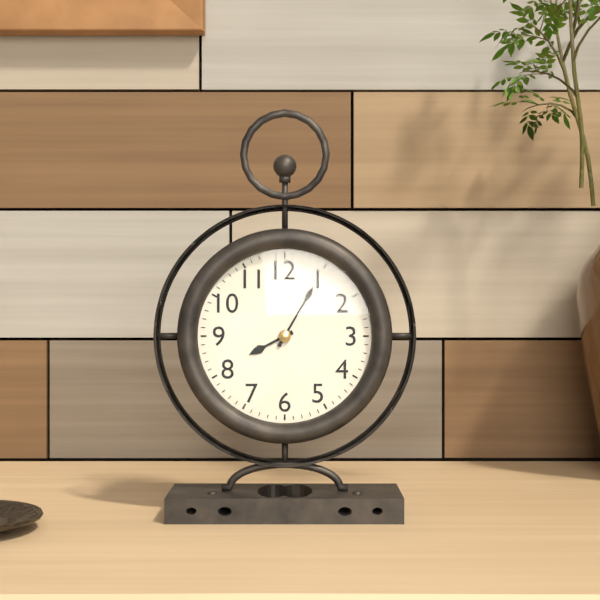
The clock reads 8:05
